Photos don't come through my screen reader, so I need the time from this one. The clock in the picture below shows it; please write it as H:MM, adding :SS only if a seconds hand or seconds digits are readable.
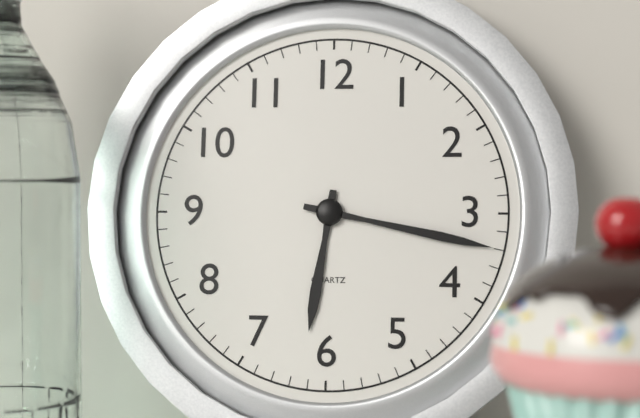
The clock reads 6:17
